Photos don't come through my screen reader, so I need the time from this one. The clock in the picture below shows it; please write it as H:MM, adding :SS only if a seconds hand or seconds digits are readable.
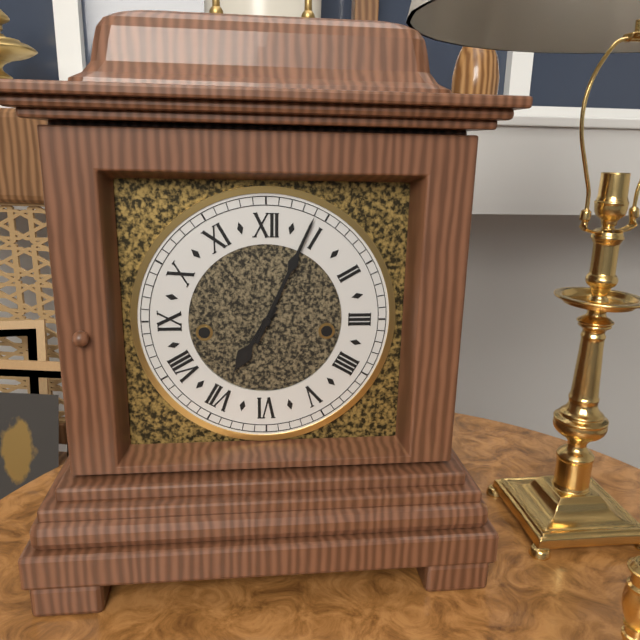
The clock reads 7:04
